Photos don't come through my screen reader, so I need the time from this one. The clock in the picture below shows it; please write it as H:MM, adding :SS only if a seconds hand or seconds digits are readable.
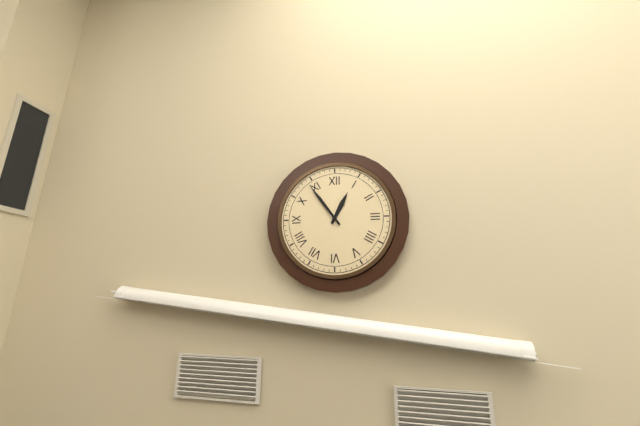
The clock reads 12:54
